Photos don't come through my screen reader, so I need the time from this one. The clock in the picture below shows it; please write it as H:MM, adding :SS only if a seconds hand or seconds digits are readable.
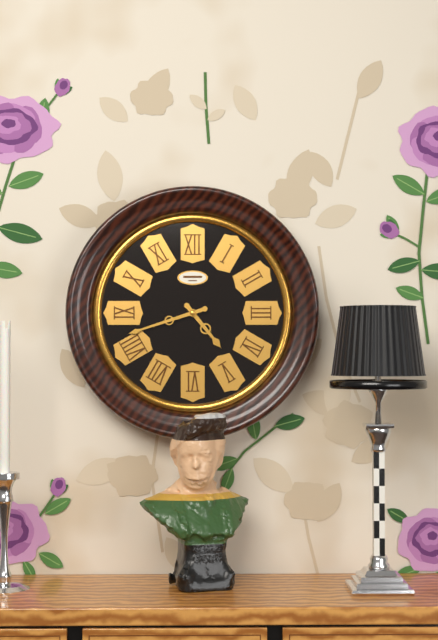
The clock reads 4:42
